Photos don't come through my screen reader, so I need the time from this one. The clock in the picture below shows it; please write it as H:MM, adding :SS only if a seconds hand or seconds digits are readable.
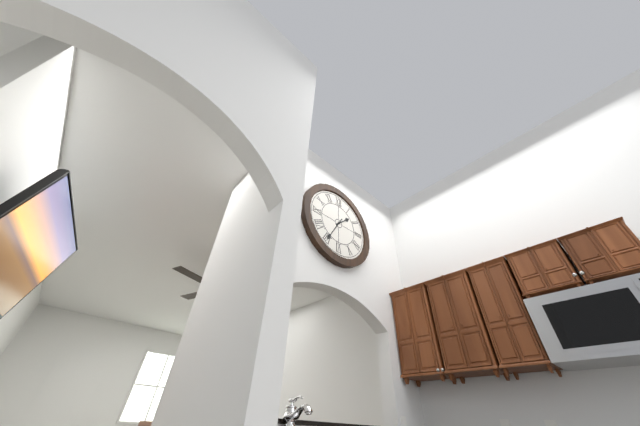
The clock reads 1:35
